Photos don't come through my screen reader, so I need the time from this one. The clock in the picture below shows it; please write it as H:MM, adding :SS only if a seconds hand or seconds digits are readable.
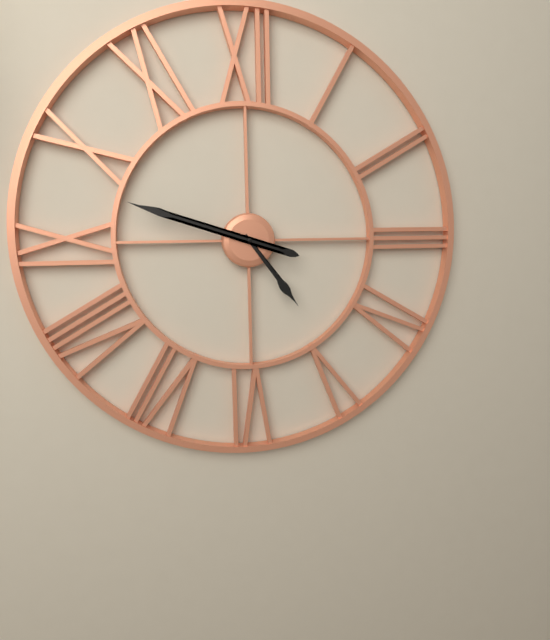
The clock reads 4:48
